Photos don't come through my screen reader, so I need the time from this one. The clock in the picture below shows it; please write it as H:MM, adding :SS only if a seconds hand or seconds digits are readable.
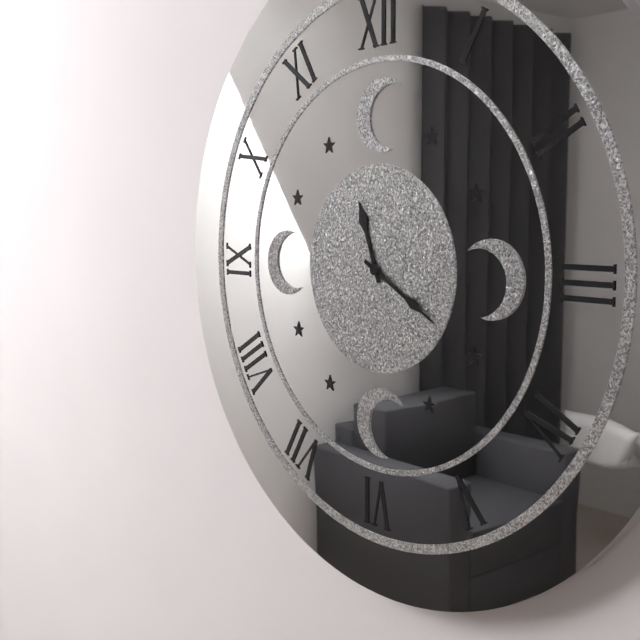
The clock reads 11:20
